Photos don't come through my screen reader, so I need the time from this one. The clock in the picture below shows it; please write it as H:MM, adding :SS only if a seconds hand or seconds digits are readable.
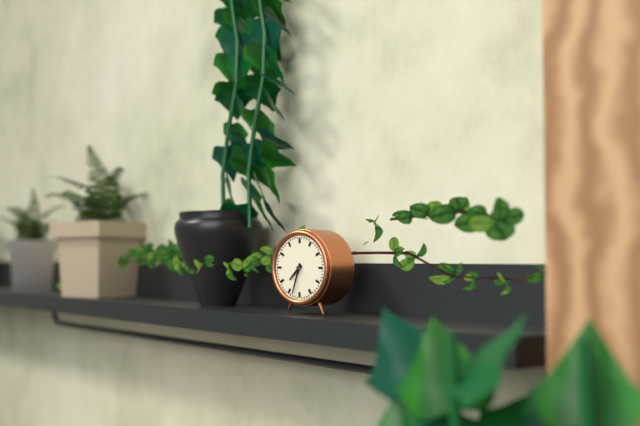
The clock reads 7:33
